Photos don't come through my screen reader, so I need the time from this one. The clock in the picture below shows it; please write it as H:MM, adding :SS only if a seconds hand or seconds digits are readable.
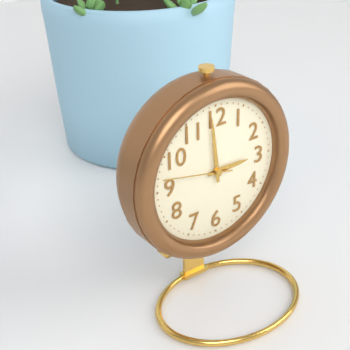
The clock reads 2:59:47
